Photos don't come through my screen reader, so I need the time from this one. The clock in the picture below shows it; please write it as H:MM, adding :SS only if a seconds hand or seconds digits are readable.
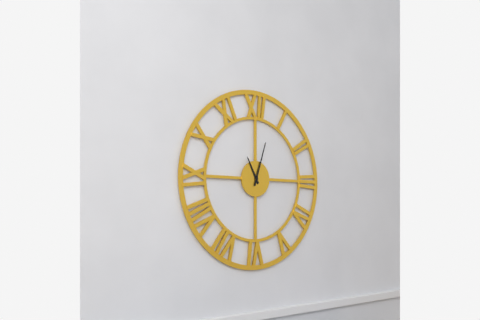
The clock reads 11:03
